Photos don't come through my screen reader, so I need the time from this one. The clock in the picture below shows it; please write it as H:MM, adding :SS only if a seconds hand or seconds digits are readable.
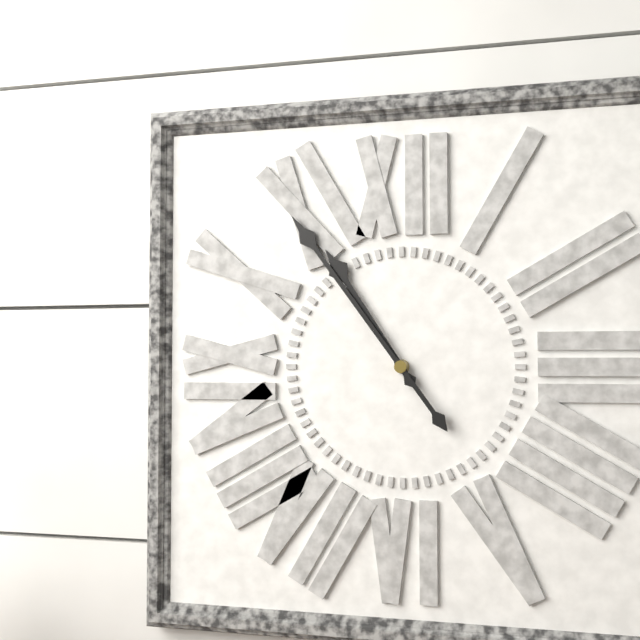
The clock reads 10:54
